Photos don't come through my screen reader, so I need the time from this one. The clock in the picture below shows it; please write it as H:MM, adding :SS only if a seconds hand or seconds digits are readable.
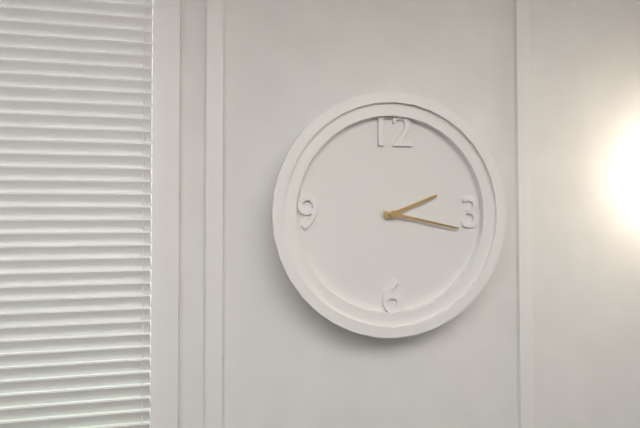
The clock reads 2:17
